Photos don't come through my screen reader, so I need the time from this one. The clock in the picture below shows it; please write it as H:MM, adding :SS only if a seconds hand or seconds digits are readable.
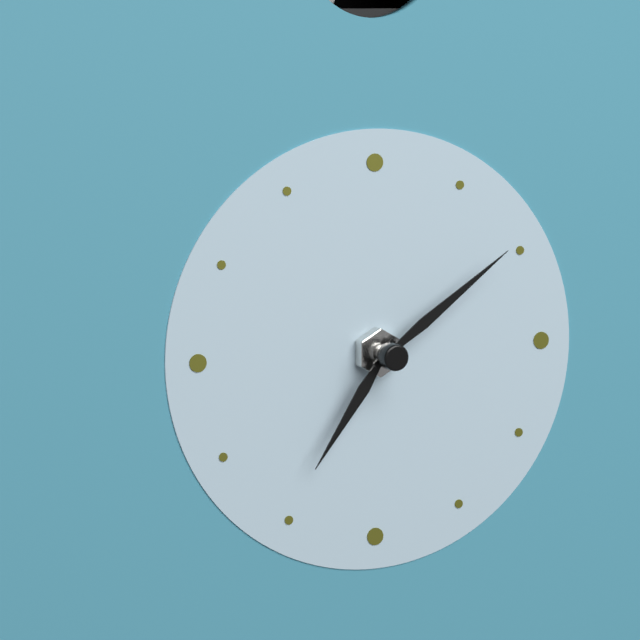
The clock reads 7:09
